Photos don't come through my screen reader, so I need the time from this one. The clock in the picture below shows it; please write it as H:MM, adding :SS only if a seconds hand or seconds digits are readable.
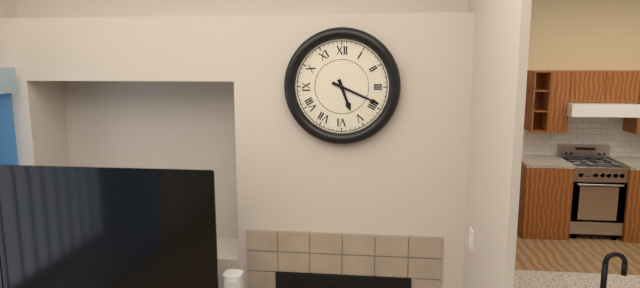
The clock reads 5:19
